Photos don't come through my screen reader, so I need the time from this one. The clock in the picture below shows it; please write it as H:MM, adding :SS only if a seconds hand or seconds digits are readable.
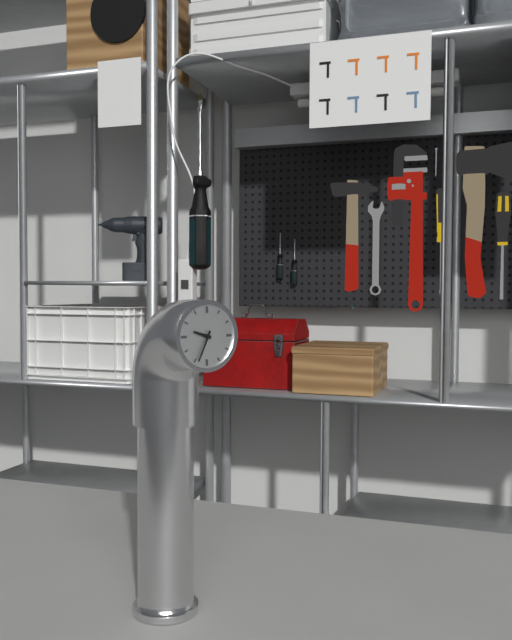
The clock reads 9:34
